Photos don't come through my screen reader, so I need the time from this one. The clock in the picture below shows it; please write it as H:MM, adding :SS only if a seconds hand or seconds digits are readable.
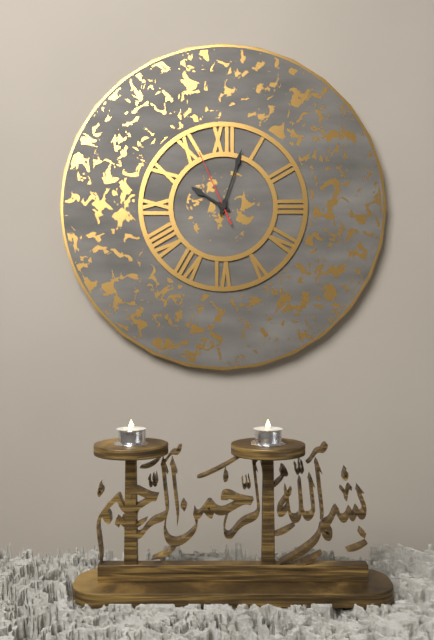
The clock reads 10:03:56
